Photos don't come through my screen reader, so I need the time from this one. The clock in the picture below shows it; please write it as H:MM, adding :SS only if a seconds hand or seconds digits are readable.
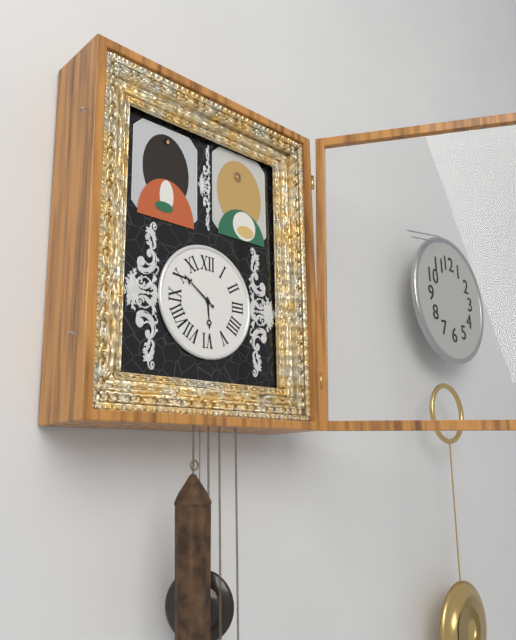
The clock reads 5:51
